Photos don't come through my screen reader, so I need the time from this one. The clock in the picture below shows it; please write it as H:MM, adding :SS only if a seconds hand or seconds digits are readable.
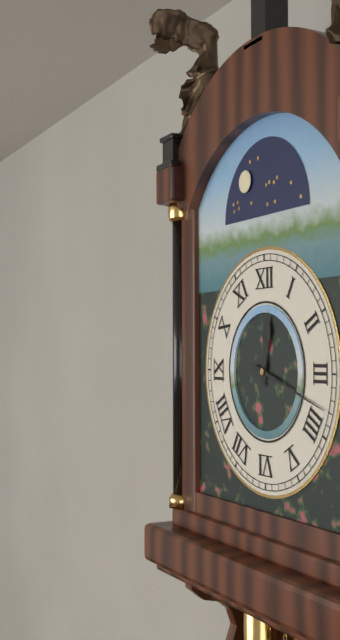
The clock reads 12:18
